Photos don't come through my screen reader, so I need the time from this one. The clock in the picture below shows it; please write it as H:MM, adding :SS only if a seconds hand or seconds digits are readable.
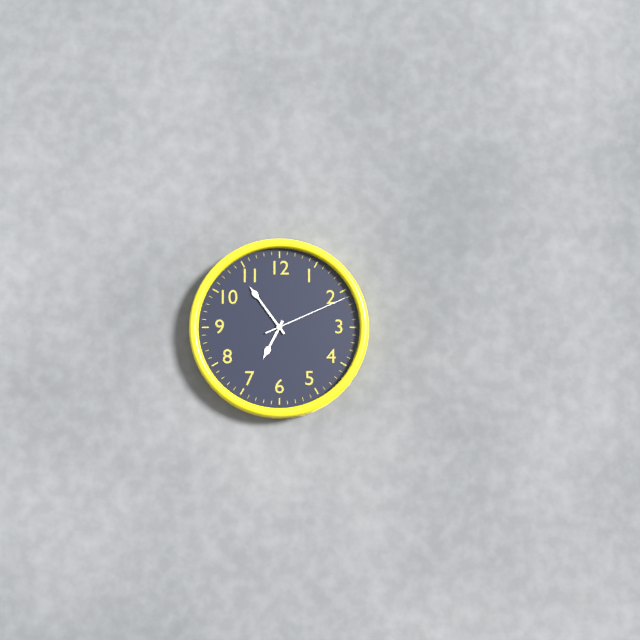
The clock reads 6:54:11
